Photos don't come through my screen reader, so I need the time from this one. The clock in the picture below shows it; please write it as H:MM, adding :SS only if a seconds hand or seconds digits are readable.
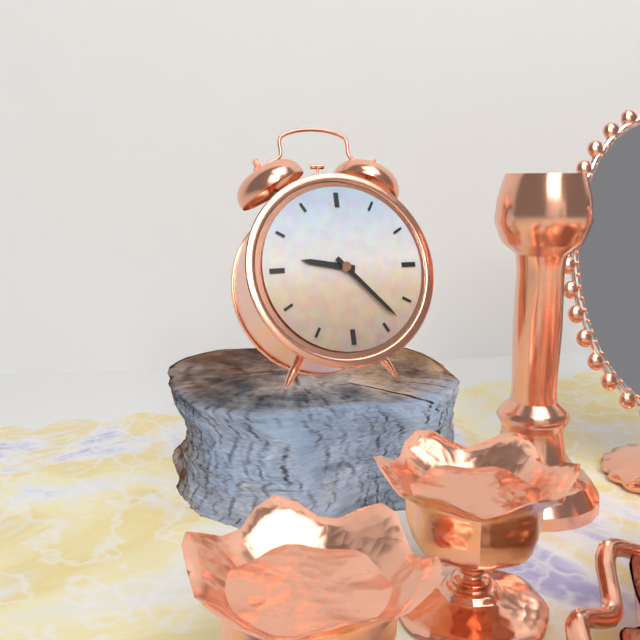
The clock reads 9:23
